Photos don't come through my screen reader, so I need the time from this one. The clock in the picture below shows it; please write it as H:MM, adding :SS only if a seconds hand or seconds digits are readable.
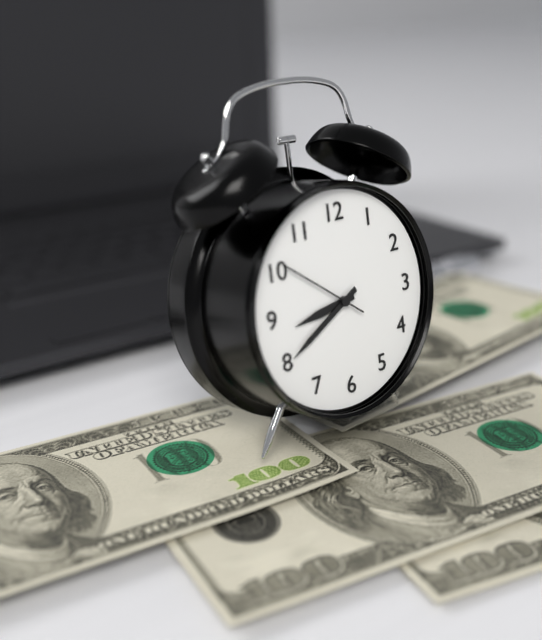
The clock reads 8:40:51
